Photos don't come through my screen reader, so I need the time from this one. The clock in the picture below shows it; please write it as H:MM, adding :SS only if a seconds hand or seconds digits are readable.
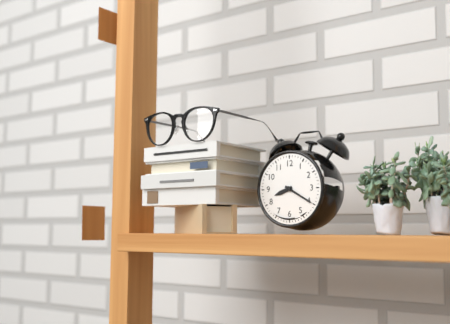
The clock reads 8:20
